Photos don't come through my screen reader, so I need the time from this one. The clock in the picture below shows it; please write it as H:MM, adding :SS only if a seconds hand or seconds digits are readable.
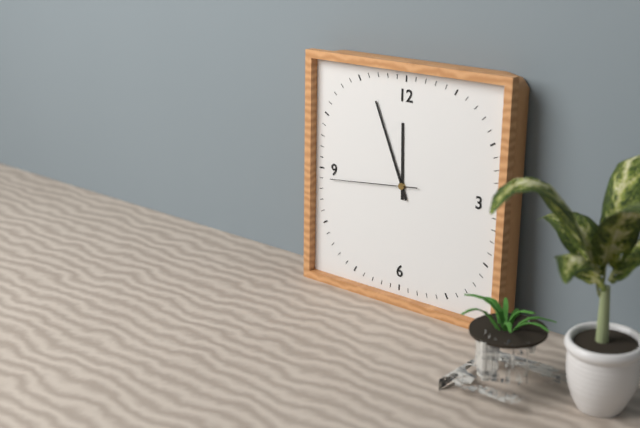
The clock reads 11:56:44
